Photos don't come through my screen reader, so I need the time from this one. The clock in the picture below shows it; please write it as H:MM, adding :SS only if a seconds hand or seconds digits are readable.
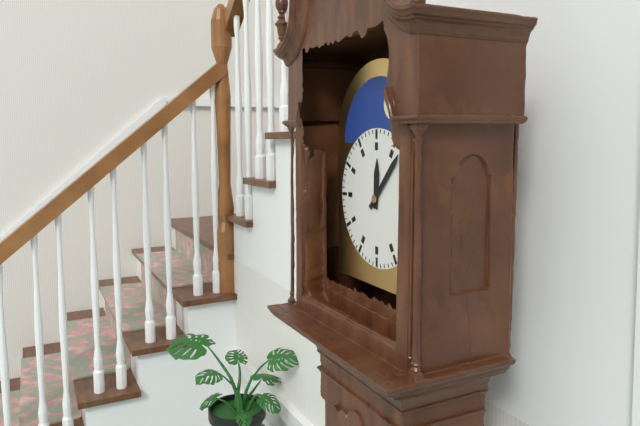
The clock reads 12:07
